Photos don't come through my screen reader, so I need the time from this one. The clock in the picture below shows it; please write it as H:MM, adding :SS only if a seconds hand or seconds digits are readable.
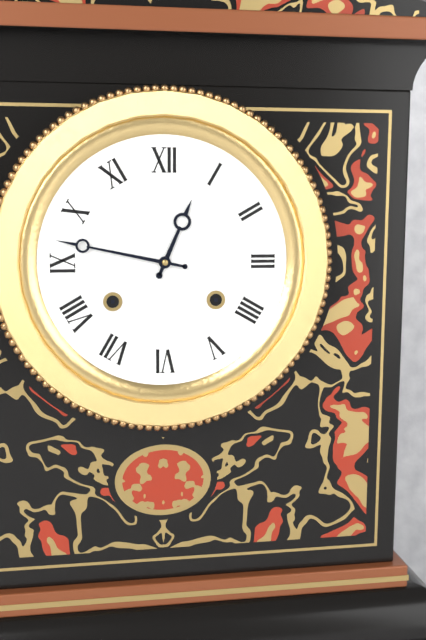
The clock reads 12:47
